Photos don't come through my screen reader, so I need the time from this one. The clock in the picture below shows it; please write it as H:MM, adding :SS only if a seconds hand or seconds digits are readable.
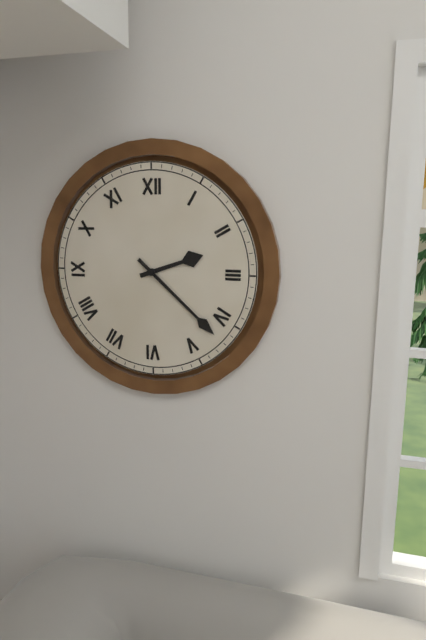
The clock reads 2:22
